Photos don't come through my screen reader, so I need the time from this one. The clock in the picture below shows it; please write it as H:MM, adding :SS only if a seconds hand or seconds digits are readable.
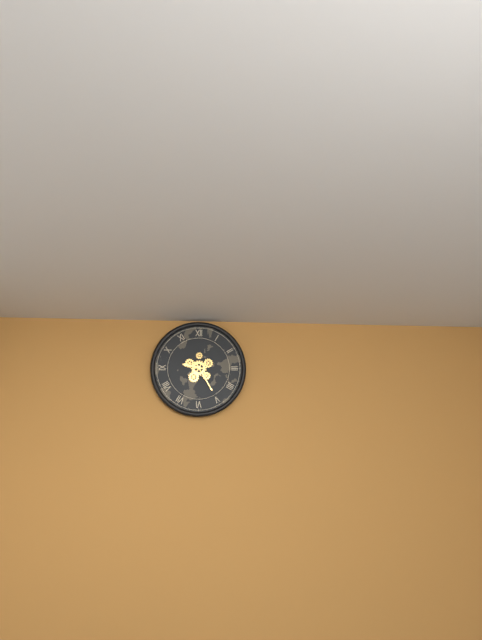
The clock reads 9:25
